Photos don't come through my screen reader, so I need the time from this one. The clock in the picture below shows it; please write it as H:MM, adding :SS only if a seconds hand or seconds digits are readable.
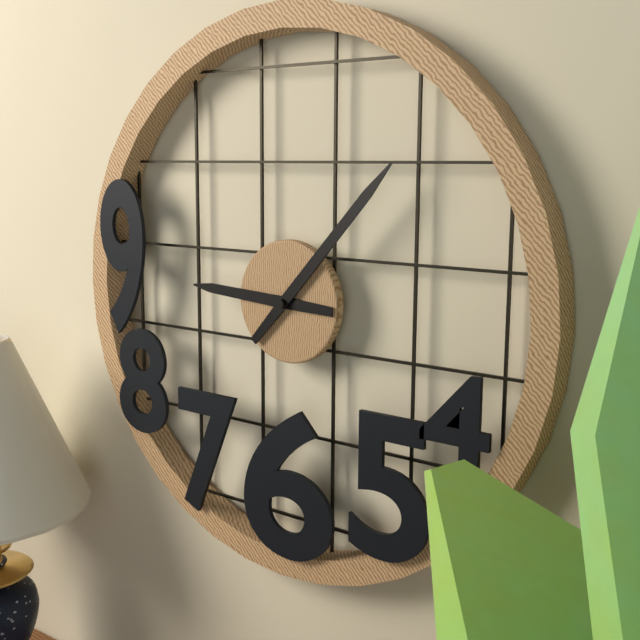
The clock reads 9:07
